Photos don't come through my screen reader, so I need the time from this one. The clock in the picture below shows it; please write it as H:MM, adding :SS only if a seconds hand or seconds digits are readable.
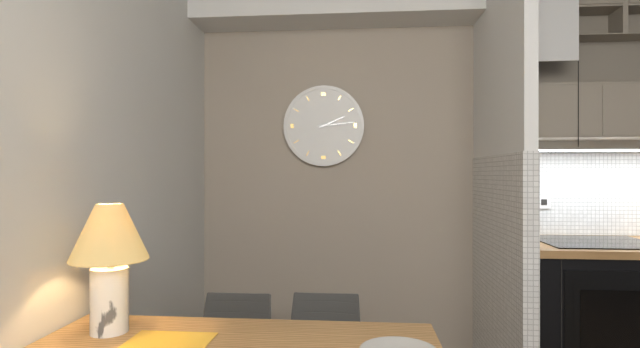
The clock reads 2:14
